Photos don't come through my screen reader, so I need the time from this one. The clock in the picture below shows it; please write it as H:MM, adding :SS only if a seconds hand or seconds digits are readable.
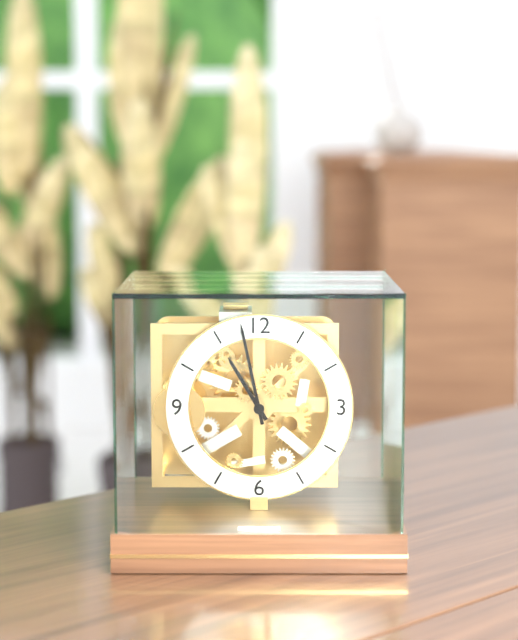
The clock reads 10:58
